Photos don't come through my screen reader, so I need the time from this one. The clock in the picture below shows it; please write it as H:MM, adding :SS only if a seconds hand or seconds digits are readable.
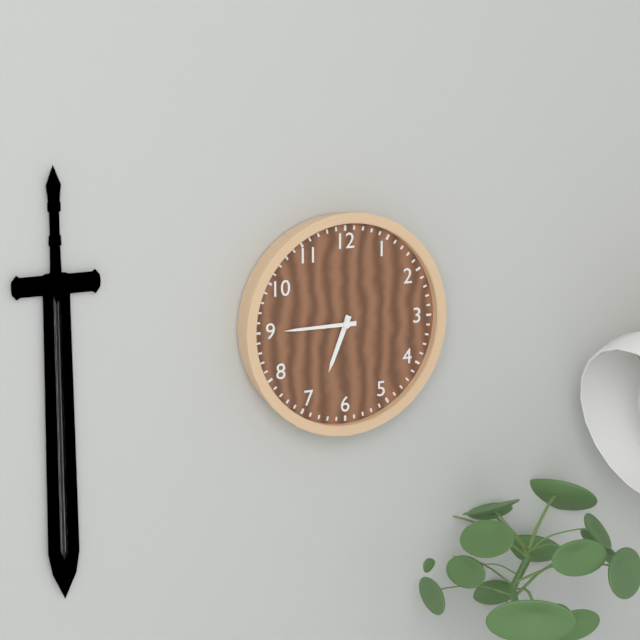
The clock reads 6:45
